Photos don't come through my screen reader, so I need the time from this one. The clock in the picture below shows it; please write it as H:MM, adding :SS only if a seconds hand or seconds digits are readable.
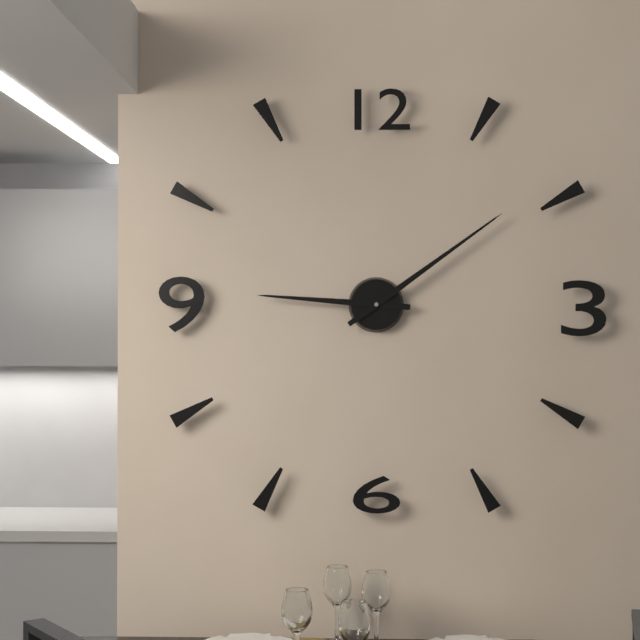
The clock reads 9:09
